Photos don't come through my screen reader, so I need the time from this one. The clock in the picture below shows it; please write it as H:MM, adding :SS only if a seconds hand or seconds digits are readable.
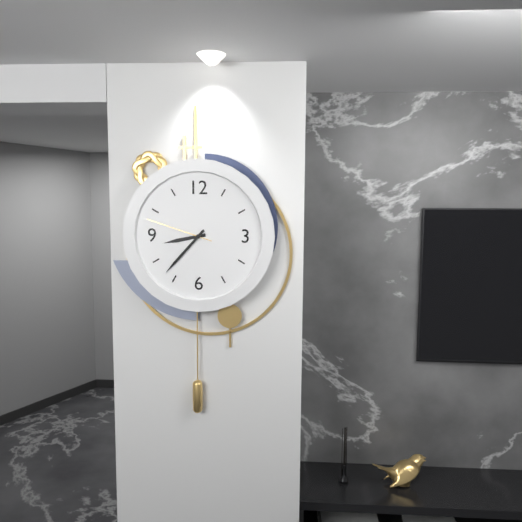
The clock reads 8:37:48
